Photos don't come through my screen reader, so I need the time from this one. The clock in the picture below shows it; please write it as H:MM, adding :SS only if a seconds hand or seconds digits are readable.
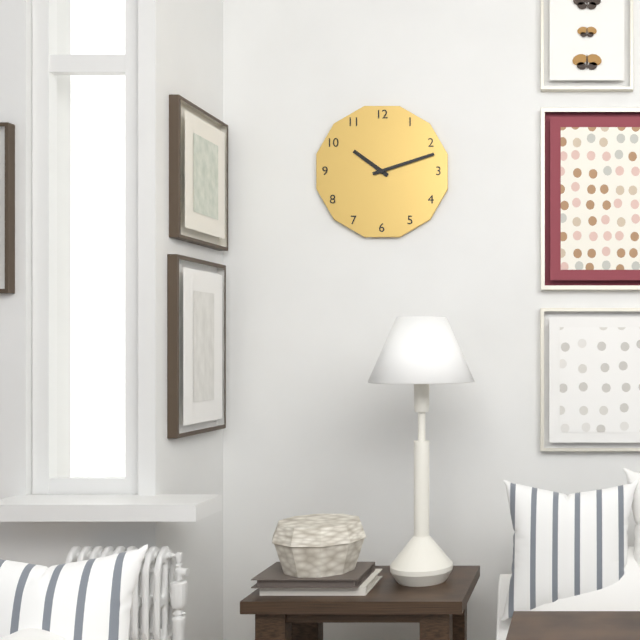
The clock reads 10:12
